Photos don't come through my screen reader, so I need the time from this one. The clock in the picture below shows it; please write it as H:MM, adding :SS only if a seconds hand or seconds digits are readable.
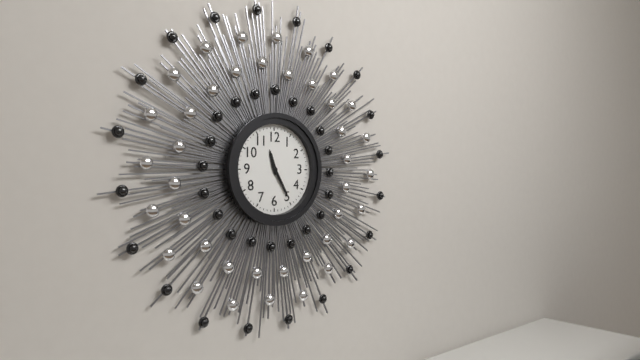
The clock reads 11:25
